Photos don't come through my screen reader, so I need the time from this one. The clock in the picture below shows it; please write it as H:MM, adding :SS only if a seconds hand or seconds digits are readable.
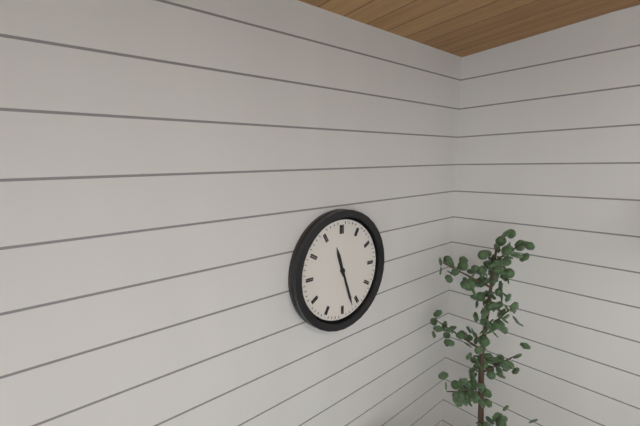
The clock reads 11:27
